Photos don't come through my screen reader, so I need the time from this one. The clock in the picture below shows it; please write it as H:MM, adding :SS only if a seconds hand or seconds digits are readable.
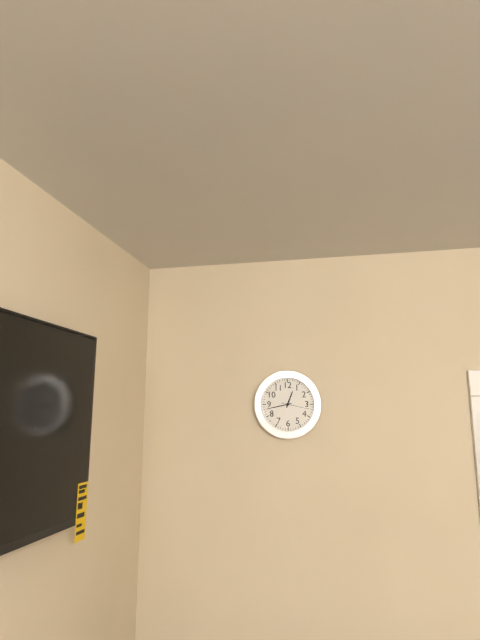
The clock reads 12:43
